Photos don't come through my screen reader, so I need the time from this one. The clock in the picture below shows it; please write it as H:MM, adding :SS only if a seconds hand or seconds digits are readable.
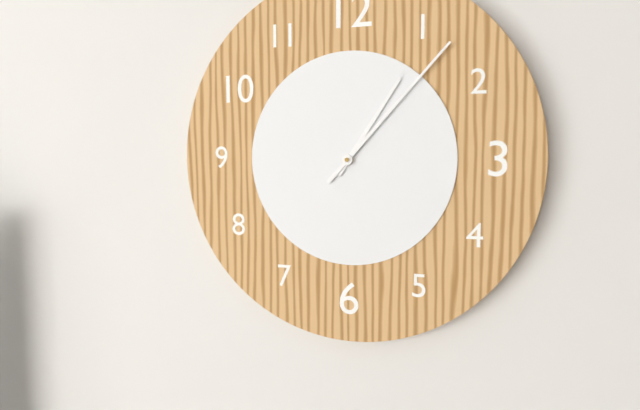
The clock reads 1:07
